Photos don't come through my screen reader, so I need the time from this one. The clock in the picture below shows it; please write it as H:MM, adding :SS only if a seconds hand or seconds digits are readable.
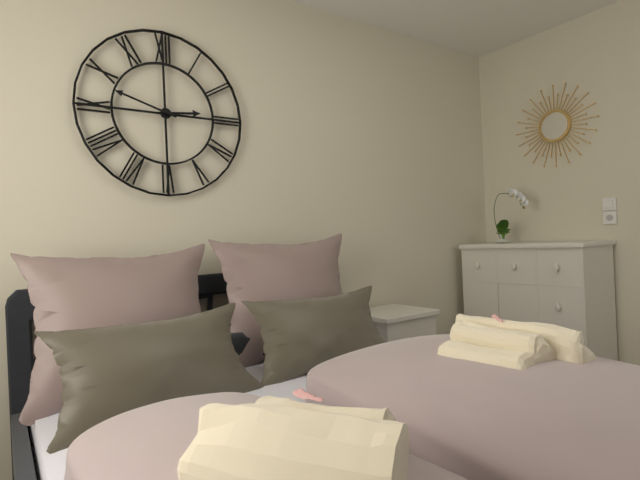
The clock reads 2:48
